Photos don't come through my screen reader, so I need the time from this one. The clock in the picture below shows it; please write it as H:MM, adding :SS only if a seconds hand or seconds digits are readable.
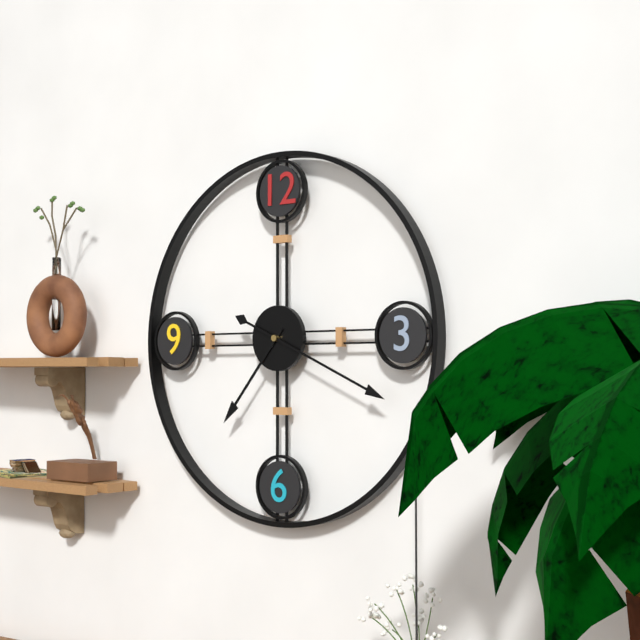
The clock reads 7:19
